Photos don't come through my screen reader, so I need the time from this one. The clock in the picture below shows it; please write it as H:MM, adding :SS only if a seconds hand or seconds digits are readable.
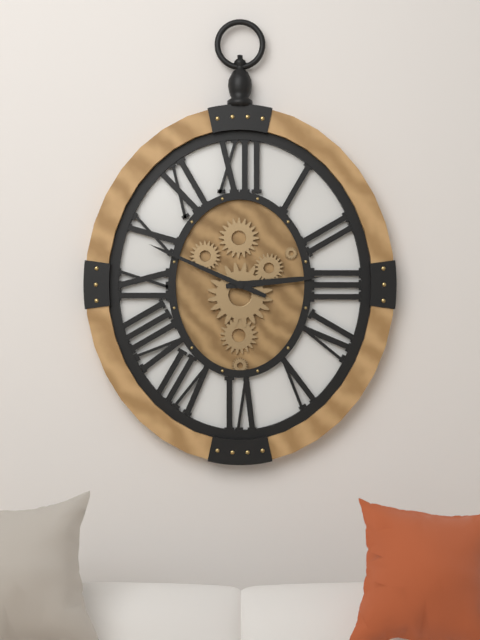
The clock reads 2:49
